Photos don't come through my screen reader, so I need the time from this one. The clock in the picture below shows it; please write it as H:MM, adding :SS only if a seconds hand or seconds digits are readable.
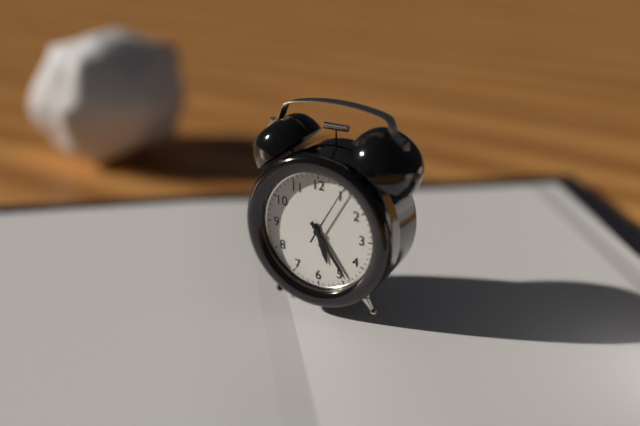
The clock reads 5:24:05
